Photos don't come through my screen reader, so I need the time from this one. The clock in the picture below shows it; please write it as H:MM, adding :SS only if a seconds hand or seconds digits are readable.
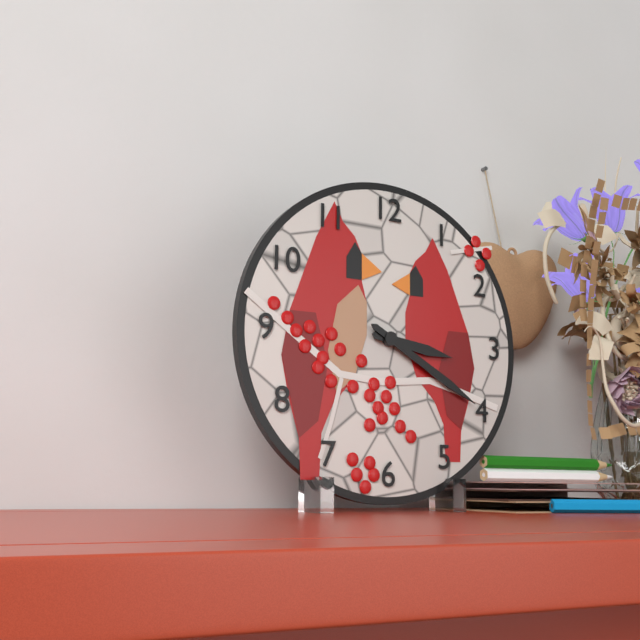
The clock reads 3:20
